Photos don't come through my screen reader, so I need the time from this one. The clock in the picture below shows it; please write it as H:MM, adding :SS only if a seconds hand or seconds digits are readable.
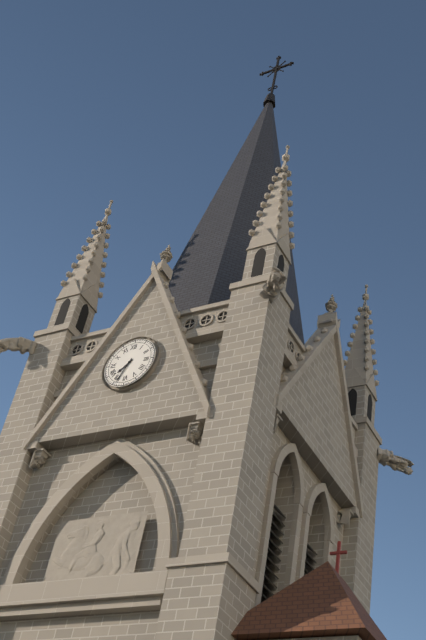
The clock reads 7:34
